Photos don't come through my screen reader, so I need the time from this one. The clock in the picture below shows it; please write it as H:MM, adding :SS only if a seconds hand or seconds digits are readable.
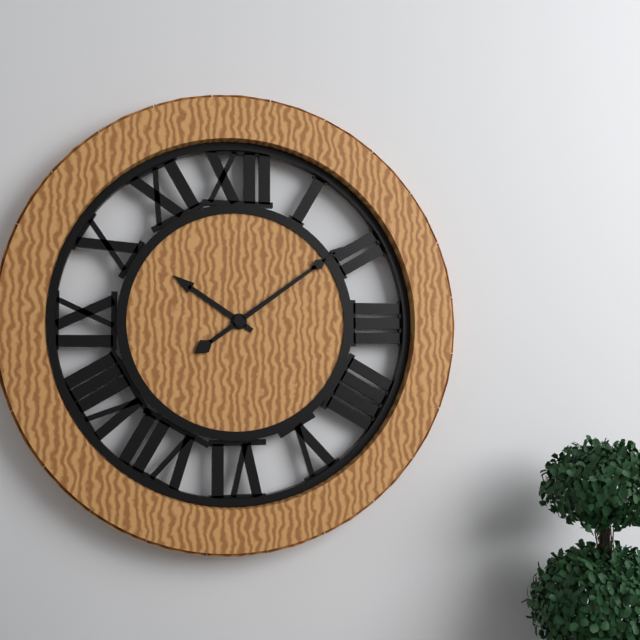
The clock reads 10:09
